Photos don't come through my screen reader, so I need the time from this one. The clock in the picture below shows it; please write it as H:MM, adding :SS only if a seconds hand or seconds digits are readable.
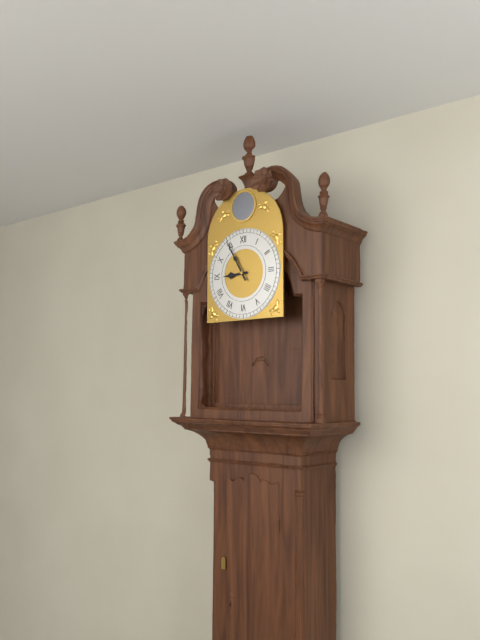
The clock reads 8:55
